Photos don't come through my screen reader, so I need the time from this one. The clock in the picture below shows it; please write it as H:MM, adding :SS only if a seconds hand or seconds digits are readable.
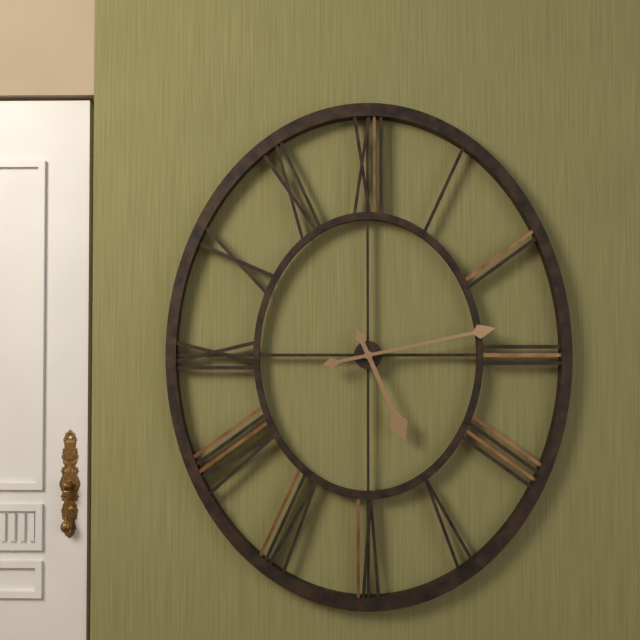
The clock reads 5:13
